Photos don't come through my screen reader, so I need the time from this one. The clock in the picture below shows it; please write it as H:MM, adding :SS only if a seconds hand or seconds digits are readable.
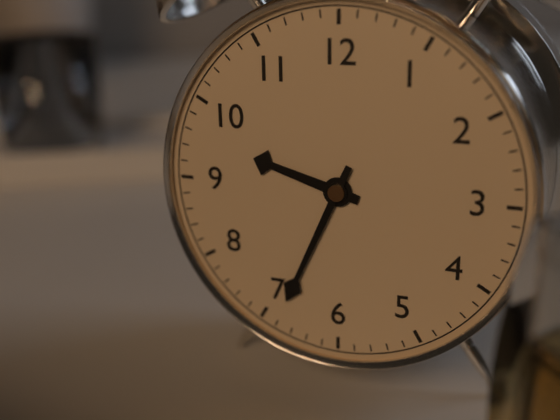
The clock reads 9:34
